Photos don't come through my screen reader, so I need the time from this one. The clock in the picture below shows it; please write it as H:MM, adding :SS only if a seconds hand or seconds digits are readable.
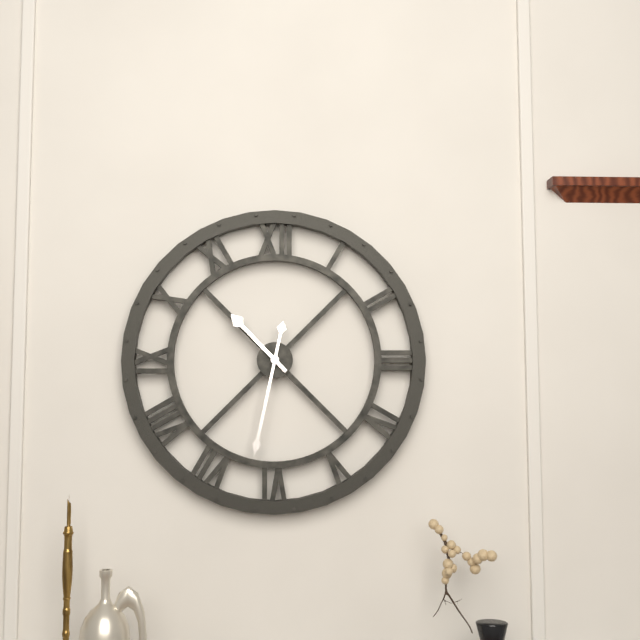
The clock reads 10:32
